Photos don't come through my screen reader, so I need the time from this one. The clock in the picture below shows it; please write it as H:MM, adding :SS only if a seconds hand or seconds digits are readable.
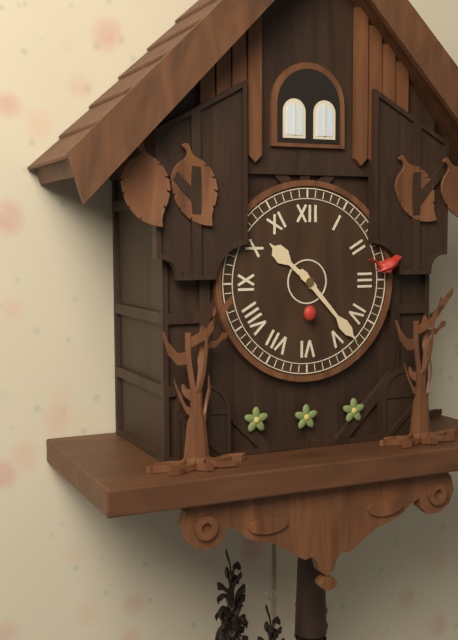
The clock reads 10:23
